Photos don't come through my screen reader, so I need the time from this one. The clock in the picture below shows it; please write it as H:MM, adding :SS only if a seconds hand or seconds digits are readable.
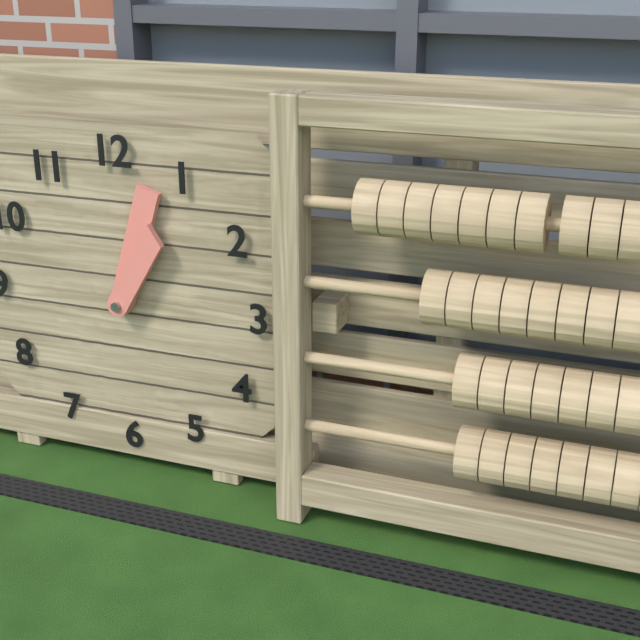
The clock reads 1:03
